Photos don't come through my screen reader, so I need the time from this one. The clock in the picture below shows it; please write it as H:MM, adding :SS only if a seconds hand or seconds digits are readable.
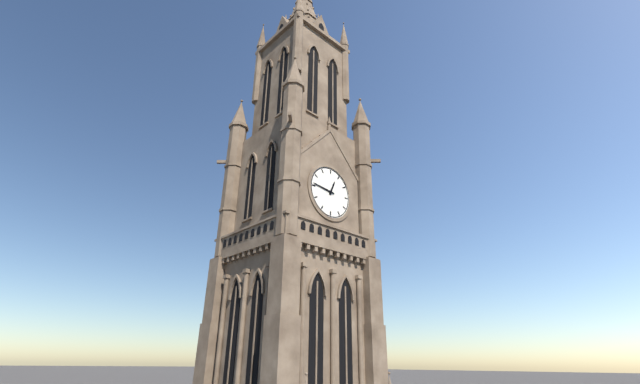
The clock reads 12:46
